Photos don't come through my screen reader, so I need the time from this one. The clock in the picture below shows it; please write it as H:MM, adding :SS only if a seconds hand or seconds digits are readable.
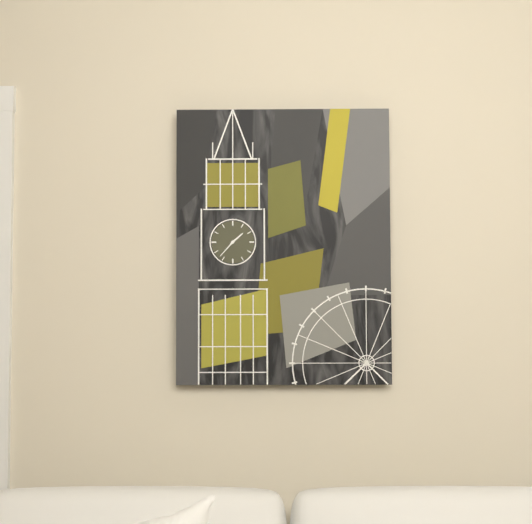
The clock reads 1:37
